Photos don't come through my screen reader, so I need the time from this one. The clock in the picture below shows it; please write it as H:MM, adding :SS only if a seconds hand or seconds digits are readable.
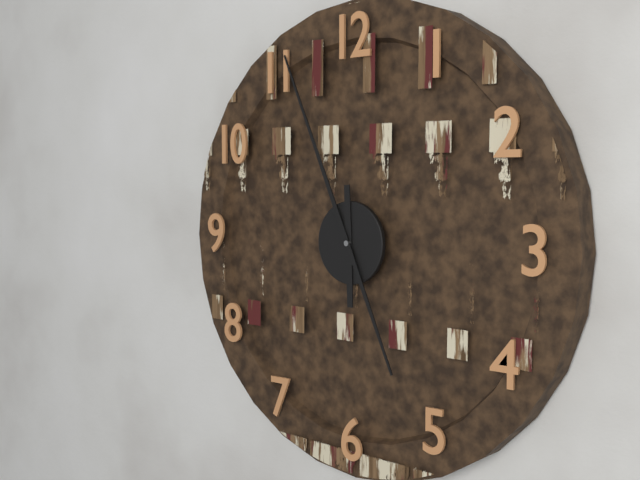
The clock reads 5:56
